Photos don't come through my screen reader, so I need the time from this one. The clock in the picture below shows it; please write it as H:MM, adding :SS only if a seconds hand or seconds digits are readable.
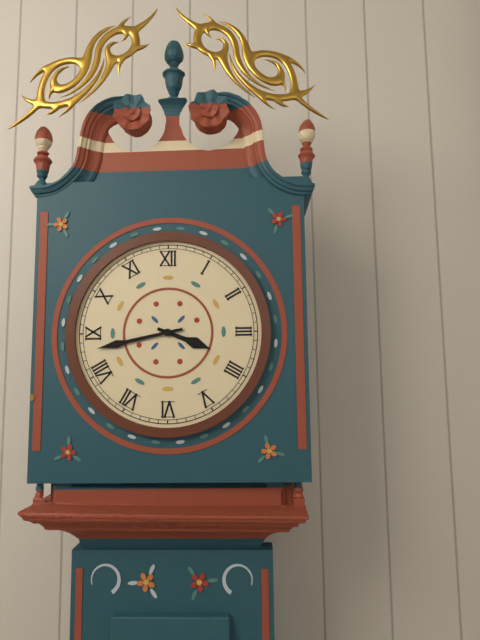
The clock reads 3:43
